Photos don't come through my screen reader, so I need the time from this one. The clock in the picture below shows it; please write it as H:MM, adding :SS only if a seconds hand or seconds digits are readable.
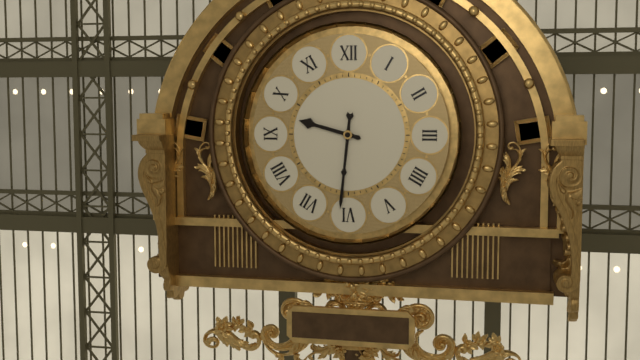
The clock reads 9:31
